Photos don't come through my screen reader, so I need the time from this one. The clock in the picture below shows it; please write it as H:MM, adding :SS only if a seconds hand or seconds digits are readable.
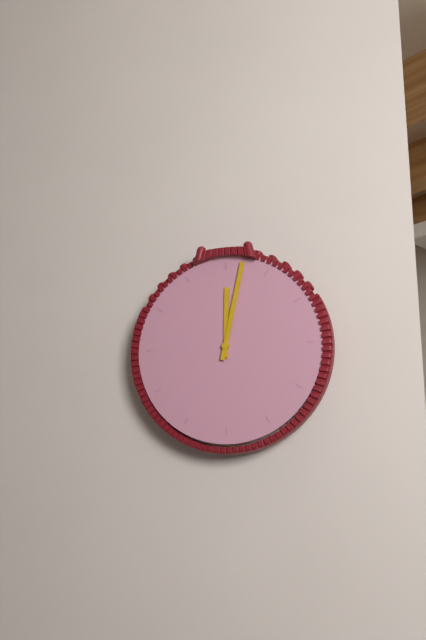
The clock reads 12:02
